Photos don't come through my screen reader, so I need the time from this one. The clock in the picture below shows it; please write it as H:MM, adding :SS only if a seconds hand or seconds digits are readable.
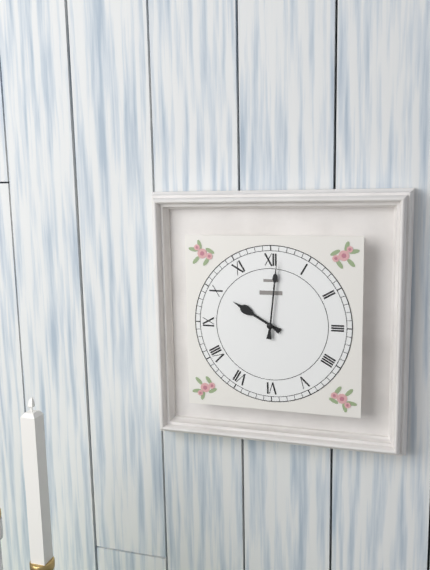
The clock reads 10:01
